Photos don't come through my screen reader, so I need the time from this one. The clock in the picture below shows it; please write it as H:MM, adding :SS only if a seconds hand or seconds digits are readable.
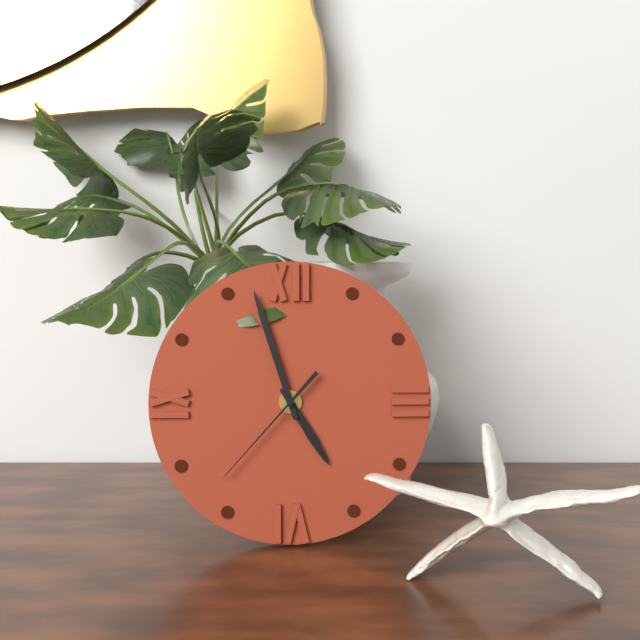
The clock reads 4:57:37
